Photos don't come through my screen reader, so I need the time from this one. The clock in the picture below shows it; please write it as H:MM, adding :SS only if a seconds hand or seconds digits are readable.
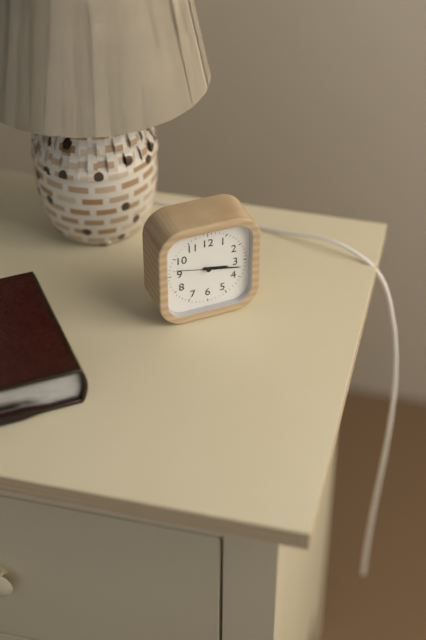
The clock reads 3:17
